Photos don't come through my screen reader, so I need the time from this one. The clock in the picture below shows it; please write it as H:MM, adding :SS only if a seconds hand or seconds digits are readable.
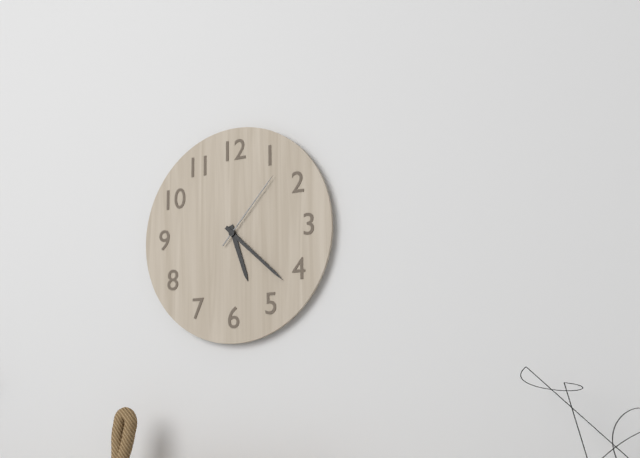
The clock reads 5:22:07
